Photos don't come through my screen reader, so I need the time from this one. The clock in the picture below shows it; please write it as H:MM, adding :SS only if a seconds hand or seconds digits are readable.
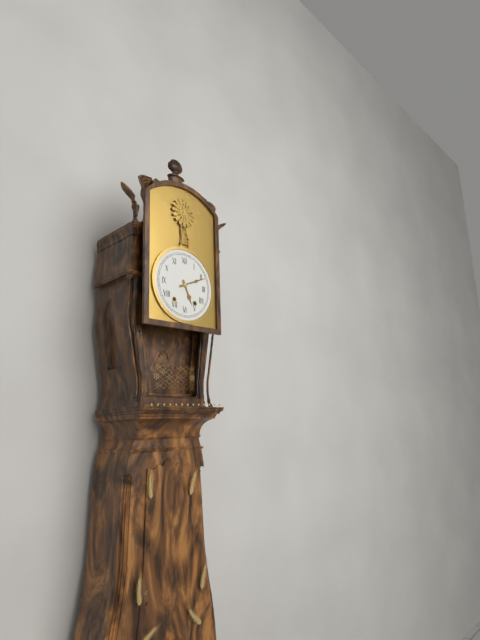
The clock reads 5:11
